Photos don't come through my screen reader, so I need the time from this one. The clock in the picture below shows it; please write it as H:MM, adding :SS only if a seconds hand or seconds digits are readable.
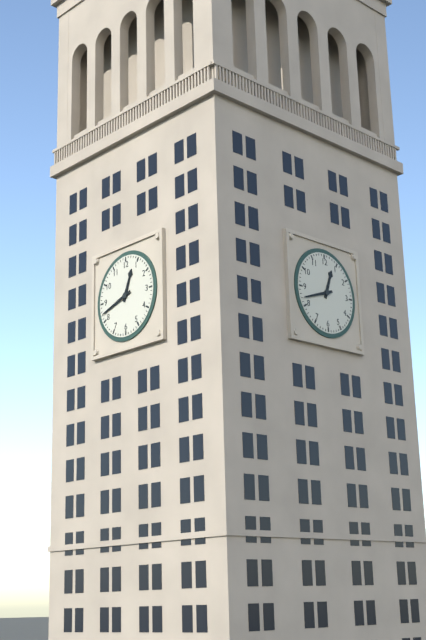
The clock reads 12:42
